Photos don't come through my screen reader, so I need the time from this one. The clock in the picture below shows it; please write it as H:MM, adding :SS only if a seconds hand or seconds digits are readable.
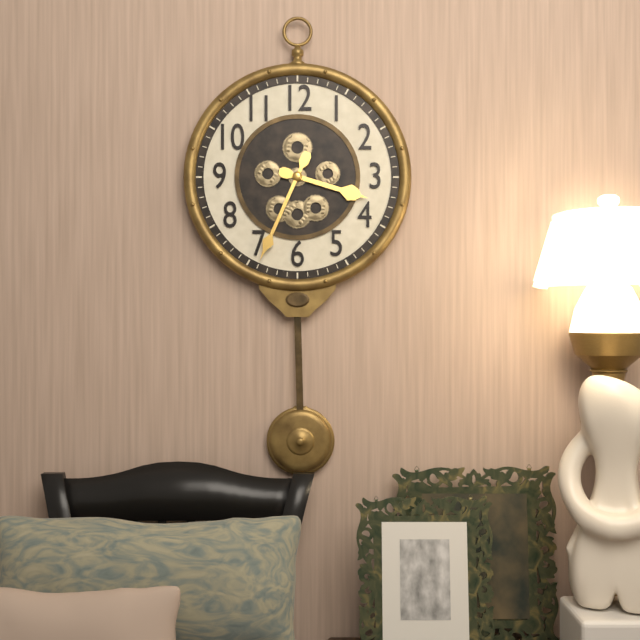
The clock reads 3:34
